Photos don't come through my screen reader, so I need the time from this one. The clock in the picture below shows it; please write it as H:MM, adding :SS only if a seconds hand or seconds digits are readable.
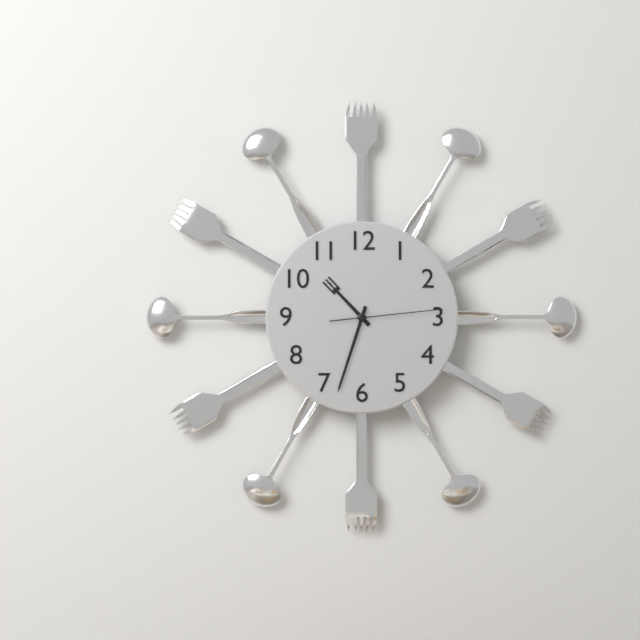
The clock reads 10:33:14
